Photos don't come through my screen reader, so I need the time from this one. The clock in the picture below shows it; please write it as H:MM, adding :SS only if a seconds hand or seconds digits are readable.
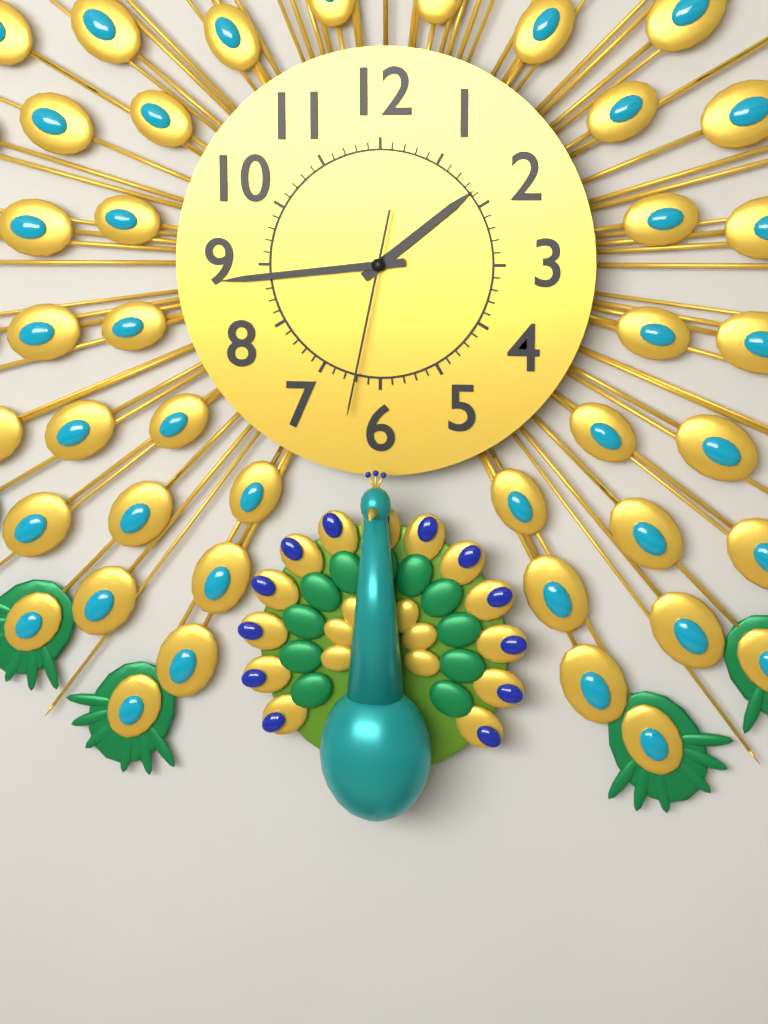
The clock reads 1:44:32
